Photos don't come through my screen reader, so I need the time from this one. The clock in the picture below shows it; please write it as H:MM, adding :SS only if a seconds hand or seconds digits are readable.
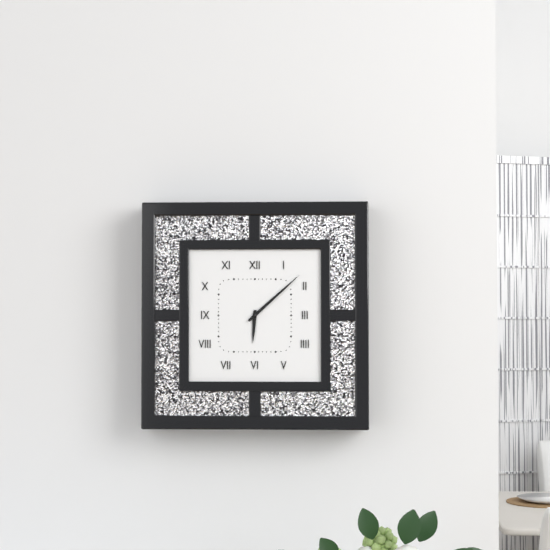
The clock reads 6:08
